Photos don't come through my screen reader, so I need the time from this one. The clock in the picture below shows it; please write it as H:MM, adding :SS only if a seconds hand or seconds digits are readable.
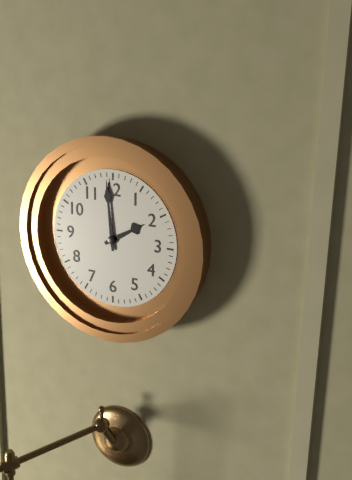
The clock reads 1:59
